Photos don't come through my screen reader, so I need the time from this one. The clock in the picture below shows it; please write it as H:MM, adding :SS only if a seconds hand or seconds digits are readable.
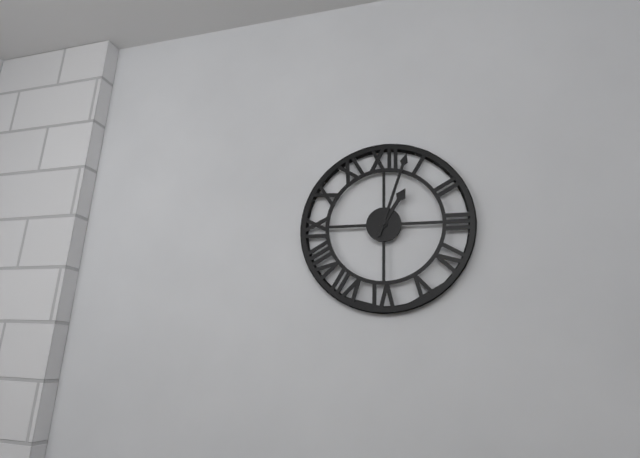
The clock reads 1:03
